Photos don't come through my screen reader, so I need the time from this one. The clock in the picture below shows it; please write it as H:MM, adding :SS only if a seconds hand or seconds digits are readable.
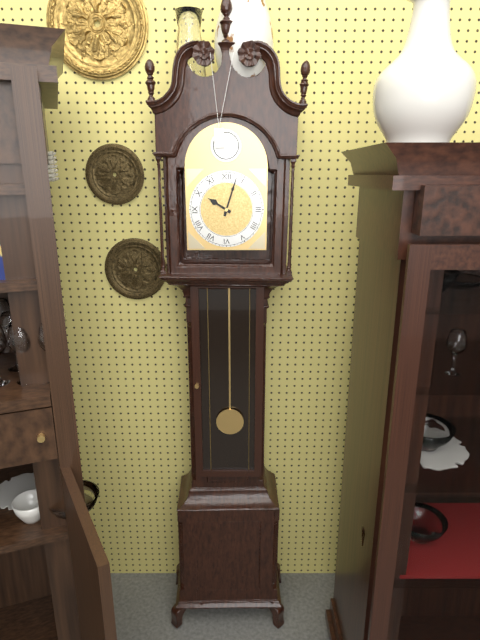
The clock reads 10:03
